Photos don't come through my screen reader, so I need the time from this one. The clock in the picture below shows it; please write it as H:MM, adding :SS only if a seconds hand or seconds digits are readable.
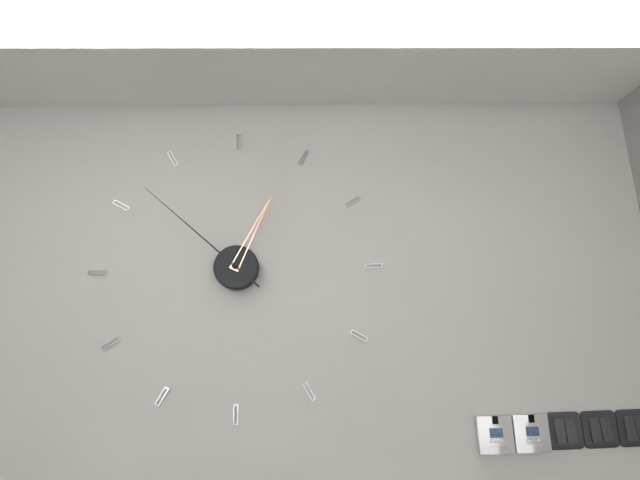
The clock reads 12:52
